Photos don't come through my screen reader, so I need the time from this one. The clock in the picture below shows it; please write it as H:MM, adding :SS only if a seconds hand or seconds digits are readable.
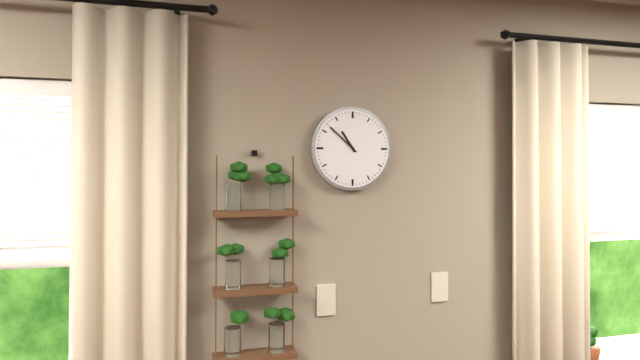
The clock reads 10:52
